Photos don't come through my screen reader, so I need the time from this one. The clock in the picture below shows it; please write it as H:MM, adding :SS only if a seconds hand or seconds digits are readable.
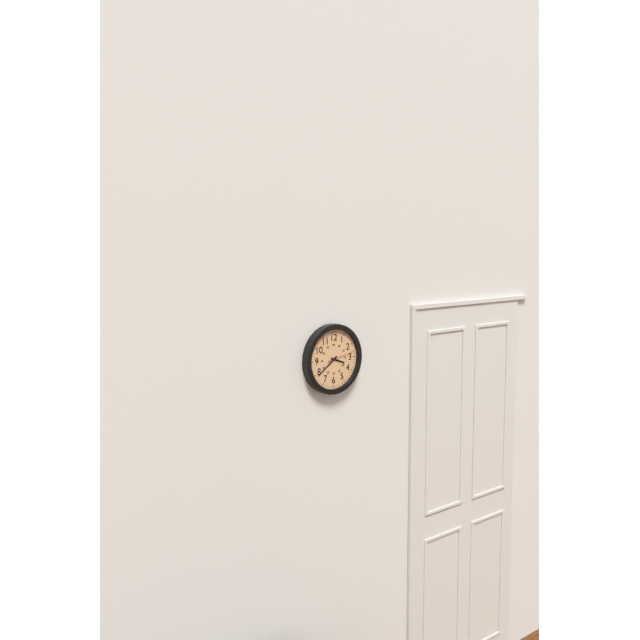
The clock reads 3:39
